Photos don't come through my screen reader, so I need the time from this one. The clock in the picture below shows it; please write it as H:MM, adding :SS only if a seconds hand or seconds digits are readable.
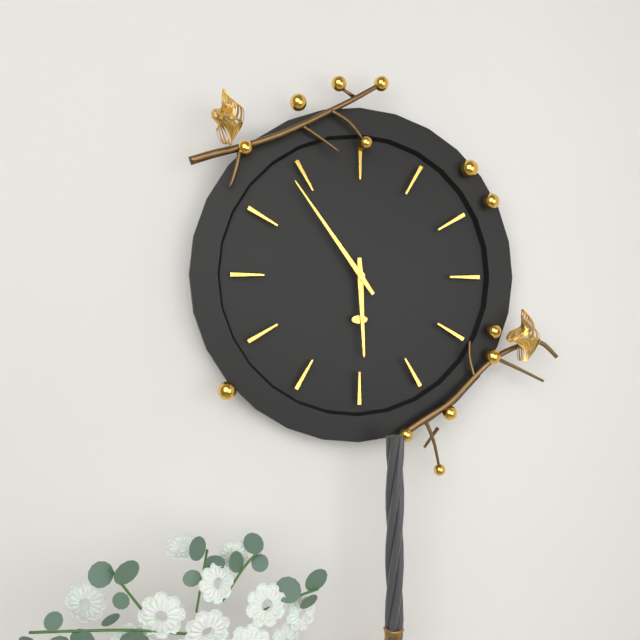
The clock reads 5:54
